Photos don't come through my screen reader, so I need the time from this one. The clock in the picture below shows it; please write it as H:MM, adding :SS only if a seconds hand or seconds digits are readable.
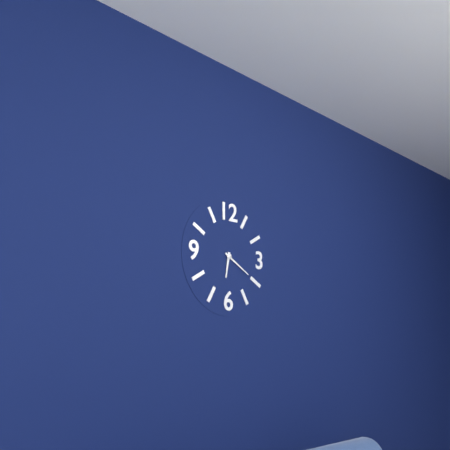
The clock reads 6:20
